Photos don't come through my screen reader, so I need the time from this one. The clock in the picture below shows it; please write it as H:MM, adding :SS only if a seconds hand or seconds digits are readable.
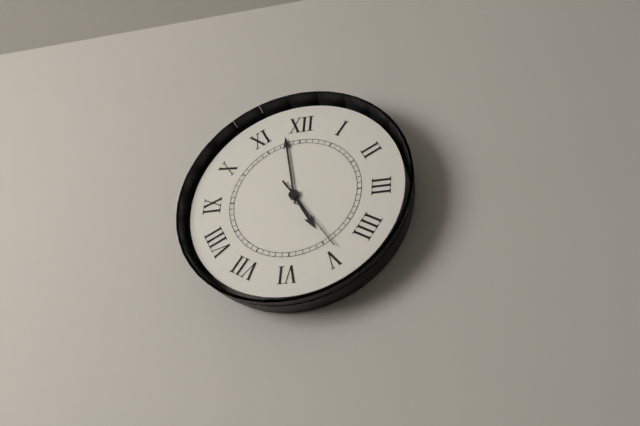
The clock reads 4:58:24
